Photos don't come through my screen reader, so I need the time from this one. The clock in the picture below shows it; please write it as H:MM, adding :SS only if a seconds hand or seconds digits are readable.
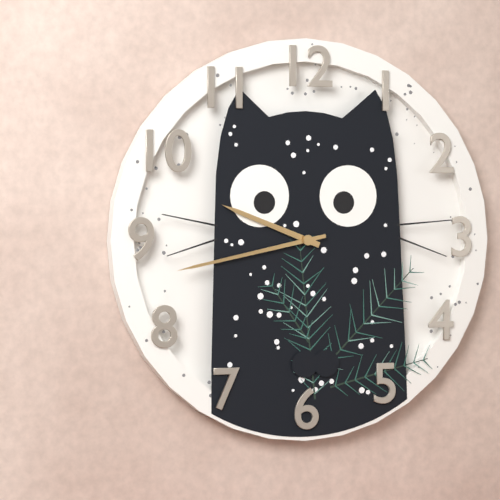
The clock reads 9:43
